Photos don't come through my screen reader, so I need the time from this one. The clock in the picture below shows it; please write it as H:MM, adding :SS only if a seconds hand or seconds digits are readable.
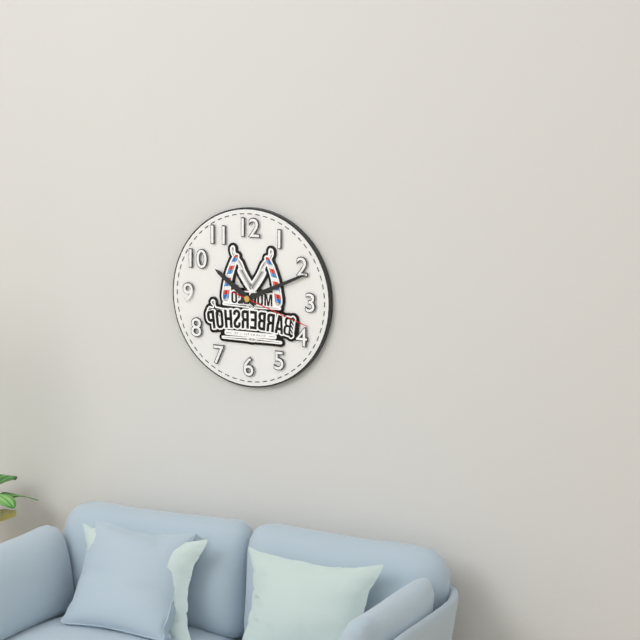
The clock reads 10:11:18
